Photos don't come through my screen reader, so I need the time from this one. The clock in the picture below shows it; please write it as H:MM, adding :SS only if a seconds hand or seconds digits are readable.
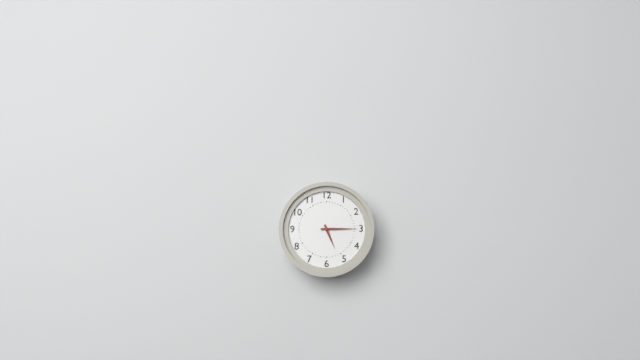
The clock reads 5:15
